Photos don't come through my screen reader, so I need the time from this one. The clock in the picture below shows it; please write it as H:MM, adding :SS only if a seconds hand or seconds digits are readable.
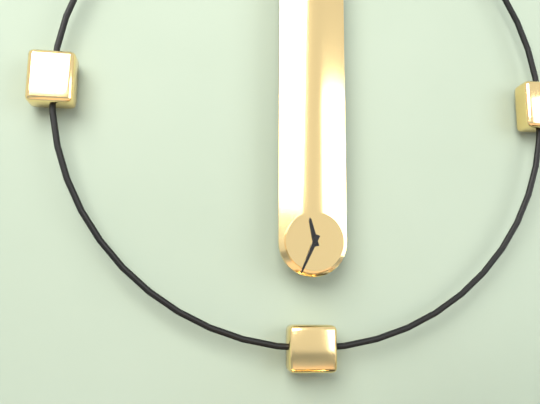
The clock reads 11:34
